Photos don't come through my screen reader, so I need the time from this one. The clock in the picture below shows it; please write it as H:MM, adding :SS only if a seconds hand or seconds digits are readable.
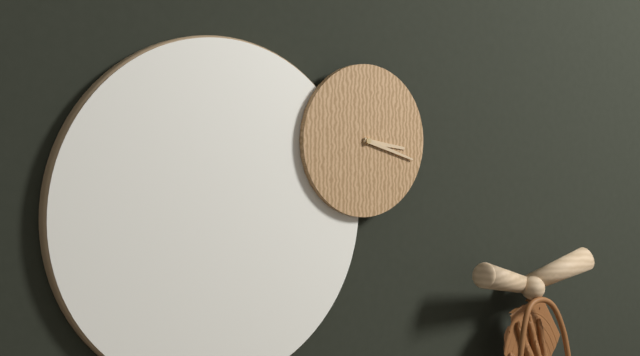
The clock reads 3:18
